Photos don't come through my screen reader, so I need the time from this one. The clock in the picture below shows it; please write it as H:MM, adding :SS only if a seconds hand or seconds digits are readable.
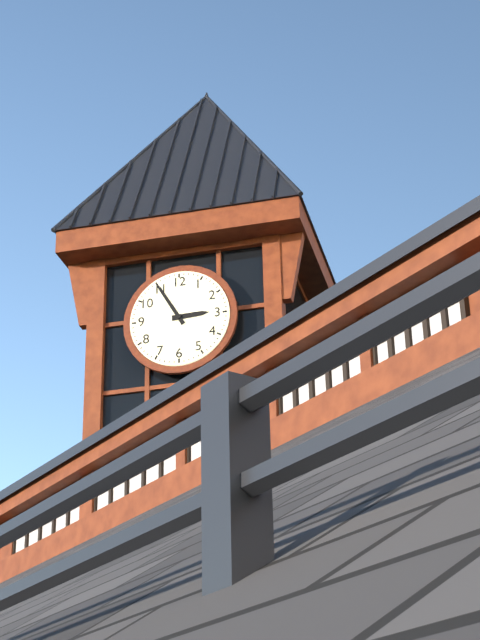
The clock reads 2:55
